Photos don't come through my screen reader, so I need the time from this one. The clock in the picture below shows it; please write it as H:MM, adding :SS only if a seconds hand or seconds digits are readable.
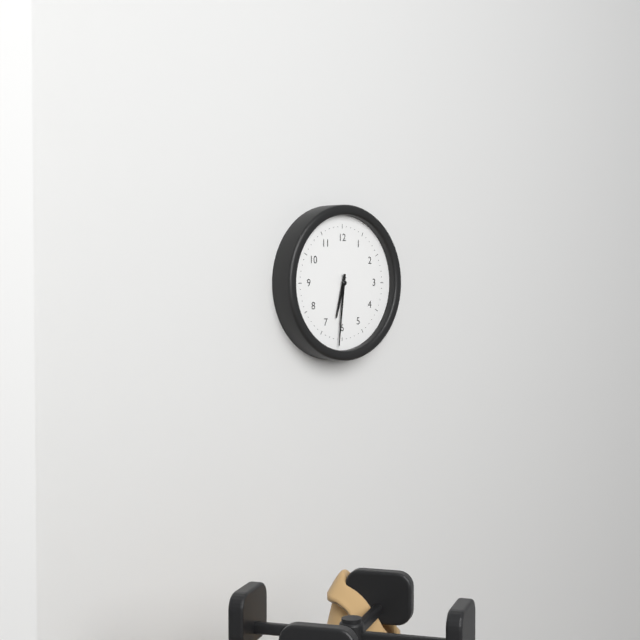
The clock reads 6:31
